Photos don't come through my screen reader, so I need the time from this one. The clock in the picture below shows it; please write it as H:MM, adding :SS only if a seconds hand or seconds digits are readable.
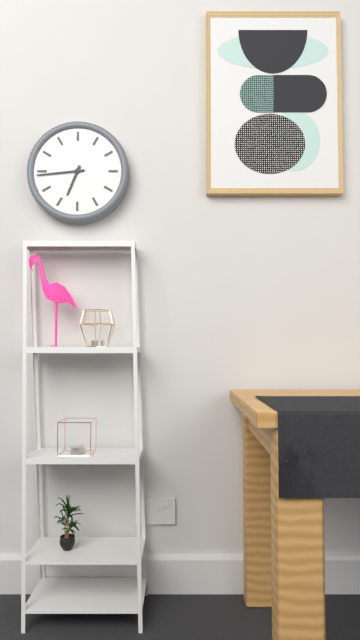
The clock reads 6:44
